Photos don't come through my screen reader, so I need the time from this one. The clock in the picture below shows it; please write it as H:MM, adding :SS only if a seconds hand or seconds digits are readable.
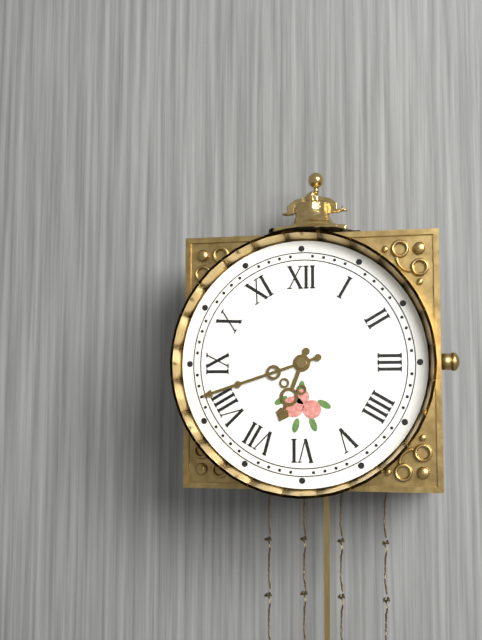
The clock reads 6:42
